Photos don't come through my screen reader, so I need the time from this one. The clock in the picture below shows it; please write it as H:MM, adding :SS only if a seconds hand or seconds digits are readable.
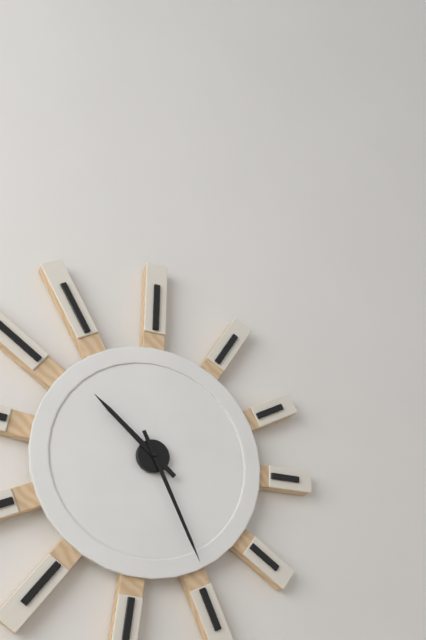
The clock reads 10:26
